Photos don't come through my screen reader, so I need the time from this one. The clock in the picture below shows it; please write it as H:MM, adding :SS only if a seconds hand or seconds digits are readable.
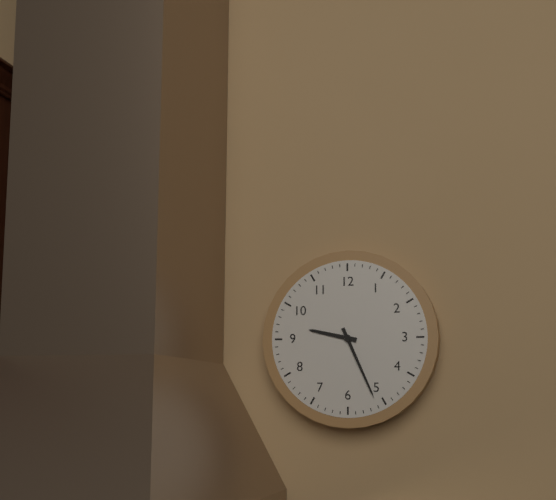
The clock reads 9:26
